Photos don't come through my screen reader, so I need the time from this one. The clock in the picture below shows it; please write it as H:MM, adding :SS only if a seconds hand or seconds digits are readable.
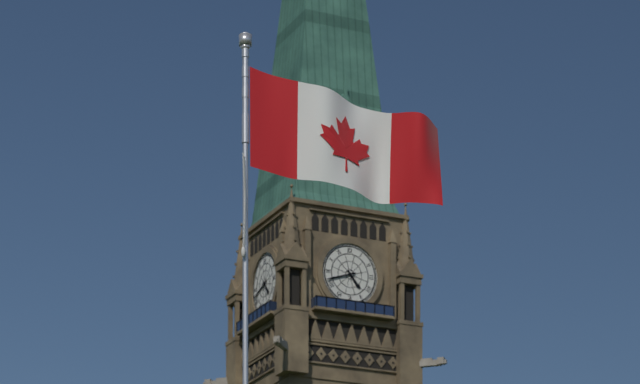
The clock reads 4:42
